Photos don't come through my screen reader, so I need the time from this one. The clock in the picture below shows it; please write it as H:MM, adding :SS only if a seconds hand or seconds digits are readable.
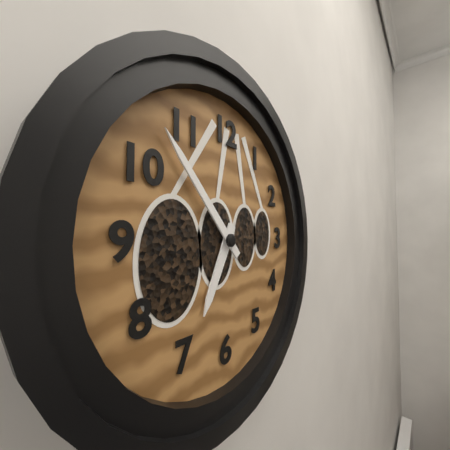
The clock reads 6:53
